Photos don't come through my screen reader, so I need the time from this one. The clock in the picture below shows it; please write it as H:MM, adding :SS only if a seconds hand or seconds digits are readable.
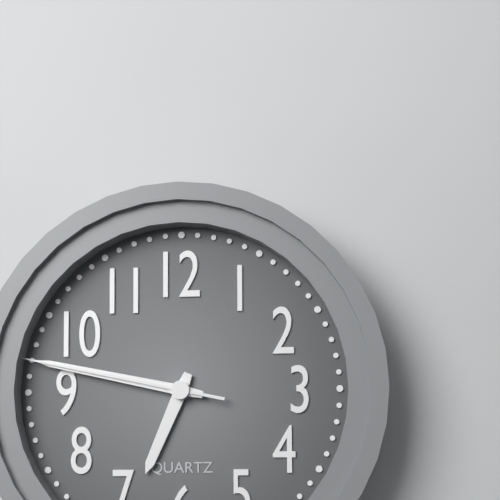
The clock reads 6:47:47
